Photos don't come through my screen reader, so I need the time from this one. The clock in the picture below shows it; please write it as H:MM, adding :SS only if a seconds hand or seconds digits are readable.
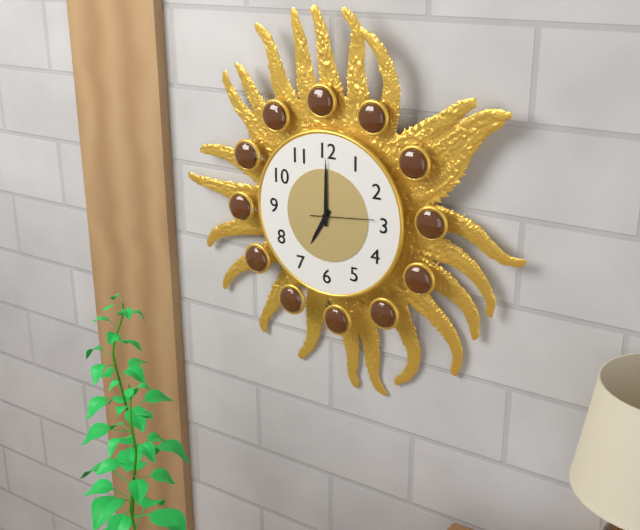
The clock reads 7:00:14
